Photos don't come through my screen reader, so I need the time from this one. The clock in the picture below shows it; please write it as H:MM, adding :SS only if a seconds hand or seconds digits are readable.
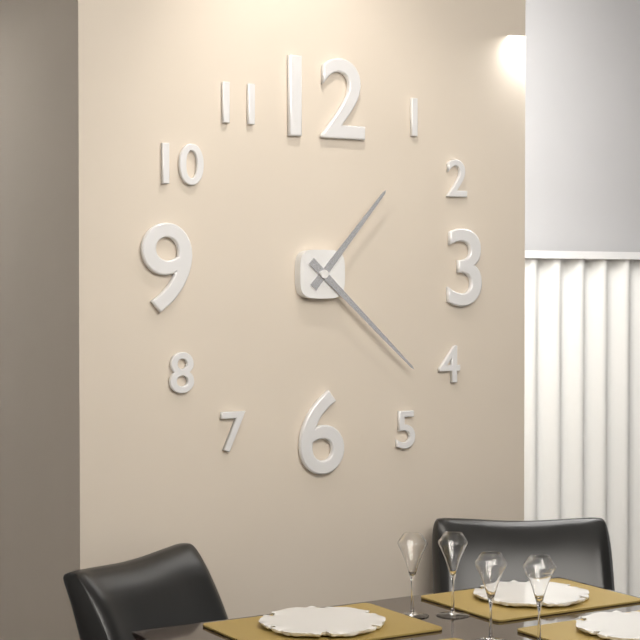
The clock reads 1:22
